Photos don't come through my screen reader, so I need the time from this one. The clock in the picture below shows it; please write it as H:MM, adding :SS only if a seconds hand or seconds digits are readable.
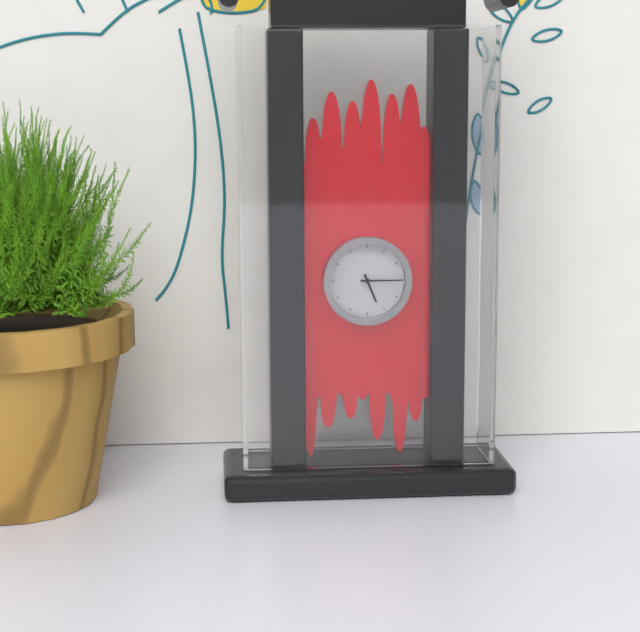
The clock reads 5:15
